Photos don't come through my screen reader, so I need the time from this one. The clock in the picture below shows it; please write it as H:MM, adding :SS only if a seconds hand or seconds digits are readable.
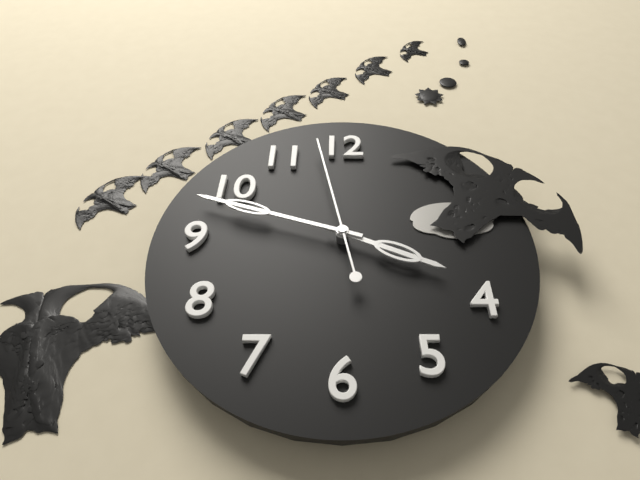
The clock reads 3:48:58
